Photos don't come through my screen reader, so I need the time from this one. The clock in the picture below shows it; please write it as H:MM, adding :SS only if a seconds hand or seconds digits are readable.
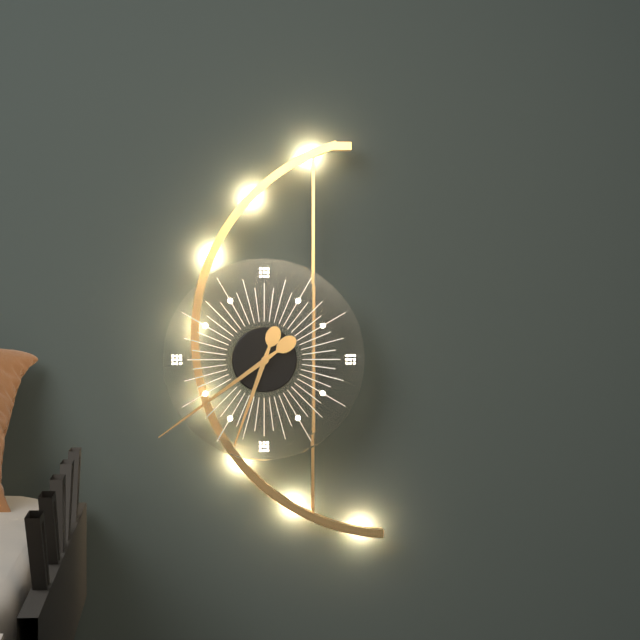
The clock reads 6:39
